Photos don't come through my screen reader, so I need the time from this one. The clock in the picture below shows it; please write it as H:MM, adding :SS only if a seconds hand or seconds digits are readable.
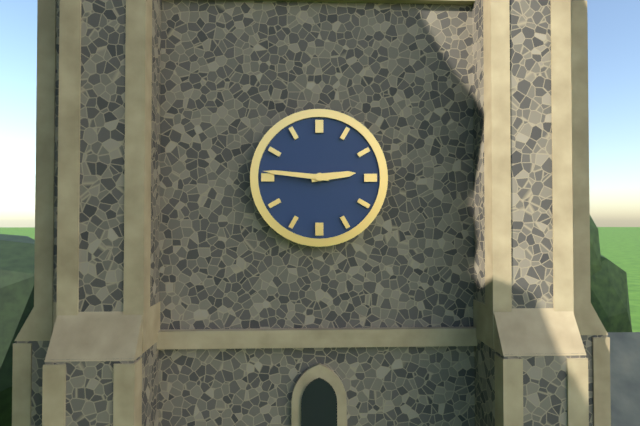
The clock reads 2:46
